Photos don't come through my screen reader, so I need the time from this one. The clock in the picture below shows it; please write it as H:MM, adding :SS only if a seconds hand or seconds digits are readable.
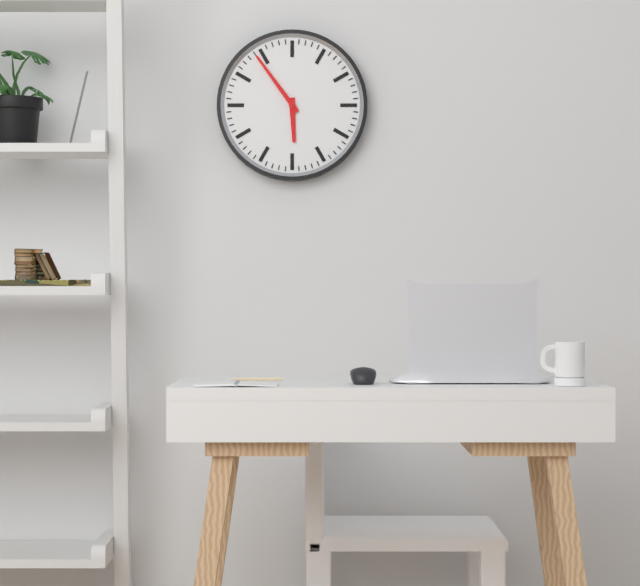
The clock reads 5:54
